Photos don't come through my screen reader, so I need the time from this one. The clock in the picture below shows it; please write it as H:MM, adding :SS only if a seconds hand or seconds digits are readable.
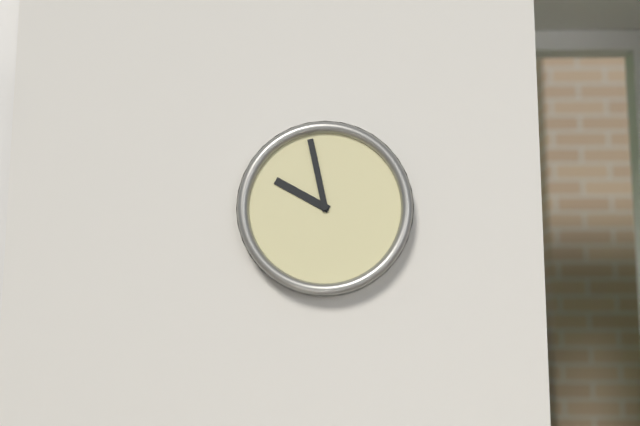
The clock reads 9:58
